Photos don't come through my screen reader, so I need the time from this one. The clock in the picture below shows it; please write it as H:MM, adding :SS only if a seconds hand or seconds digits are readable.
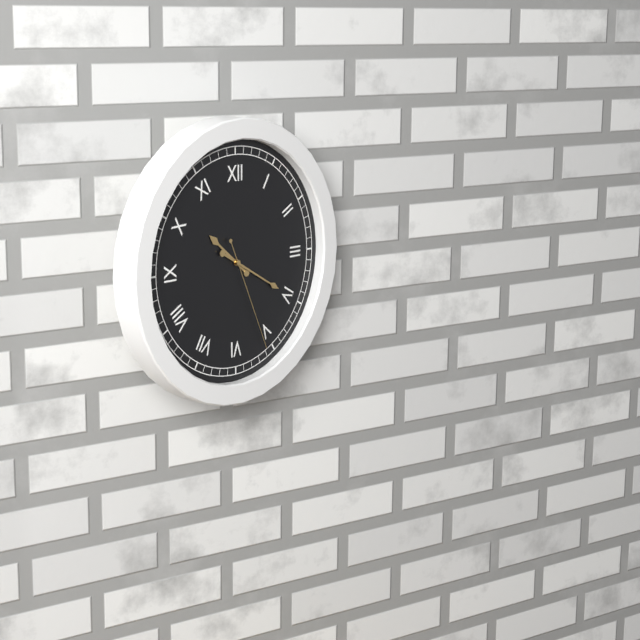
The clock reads 10:20:26
